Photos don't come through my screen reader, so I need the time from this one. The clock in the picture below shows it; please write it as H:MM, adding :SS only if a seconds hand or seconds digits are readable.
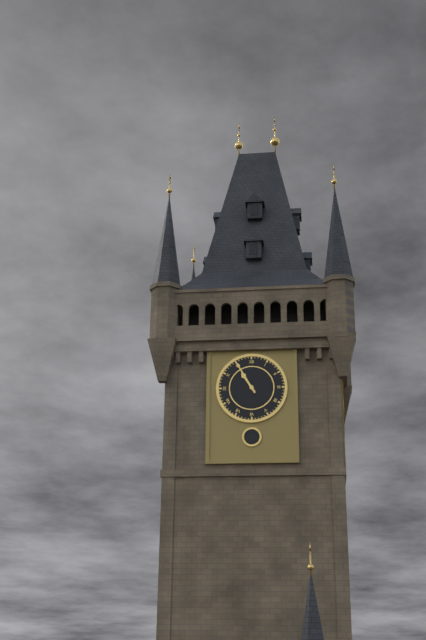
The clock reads 10:55
